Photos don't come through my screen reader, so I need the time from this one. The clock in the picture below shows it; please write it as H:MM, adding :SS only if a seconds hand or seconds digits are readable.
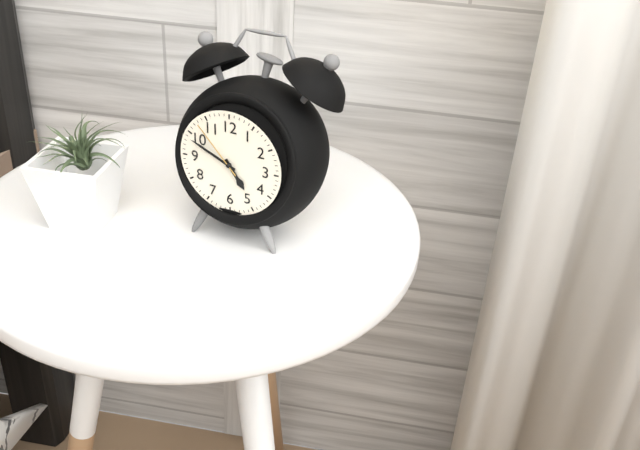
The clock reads 4:49:53
